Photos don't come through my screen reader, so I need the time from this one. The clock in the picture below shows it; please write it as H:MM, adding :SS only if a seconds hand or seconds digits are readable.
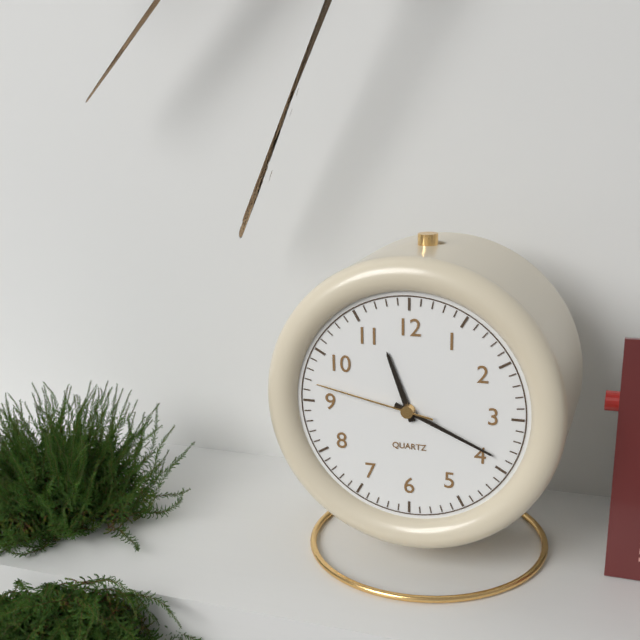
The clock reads 11:19:47
